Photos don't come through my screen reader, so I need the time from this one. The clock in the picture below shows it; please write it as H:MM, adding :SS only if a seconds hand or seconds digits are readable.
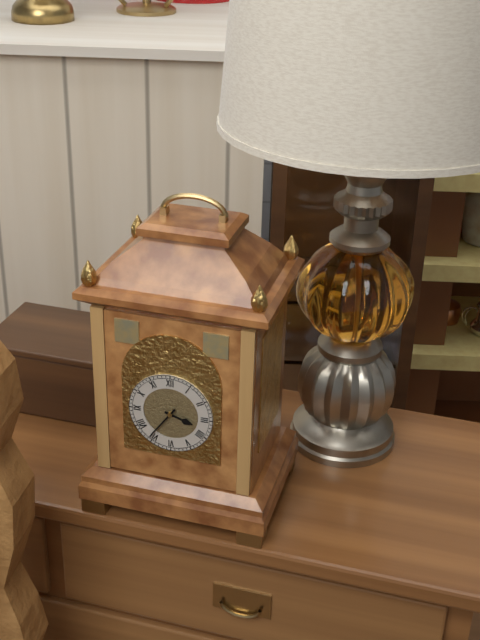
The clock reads 3:36
